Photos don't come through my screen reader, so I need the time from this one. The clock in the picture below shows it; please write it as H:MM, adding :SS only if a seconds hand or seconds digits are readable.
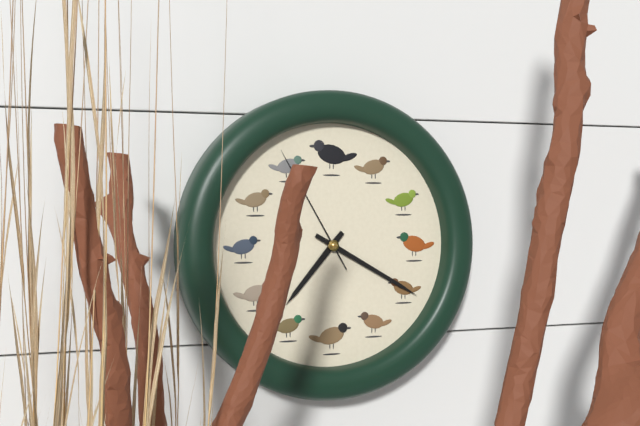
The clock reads 7:20:55
